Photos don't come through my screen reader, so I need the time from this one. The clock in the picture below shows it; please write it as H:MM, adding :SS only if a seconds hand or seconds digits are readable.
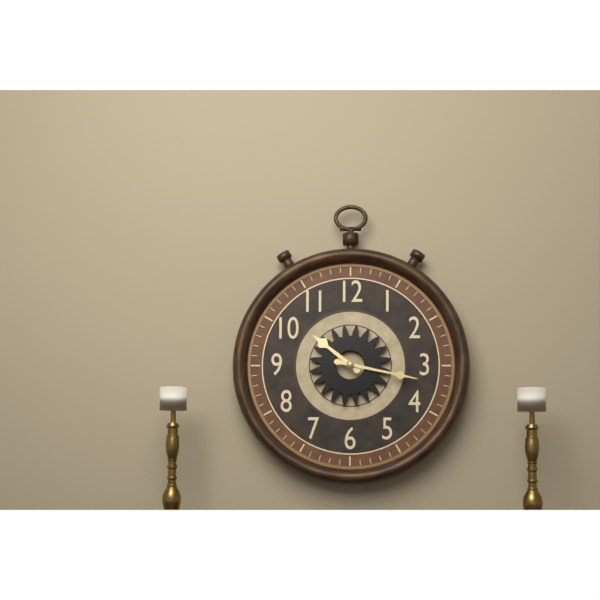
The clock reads 10:17
